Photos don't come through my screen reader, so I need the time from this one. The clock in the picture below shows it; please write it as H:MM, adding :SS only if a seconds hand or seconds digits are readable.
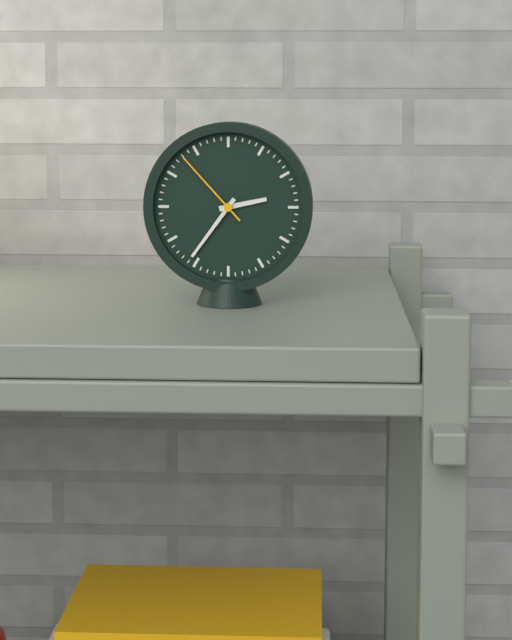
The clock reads 2:36:53
